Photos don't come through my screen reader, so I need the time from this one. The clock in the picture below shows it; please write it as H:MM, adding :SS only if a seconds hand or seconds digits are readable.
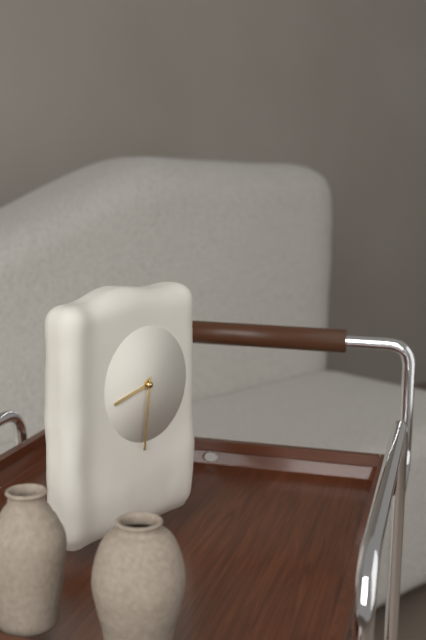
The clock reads 8:31
